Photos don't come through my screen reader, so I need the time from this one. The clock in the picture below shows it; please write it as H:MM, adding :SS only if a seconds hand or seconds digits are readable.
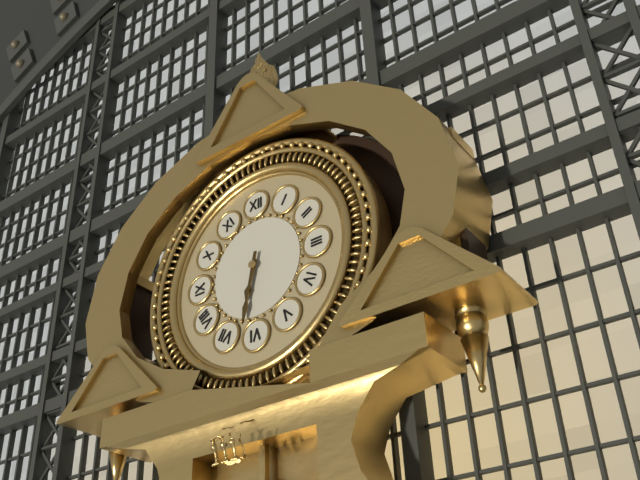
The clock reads 6:32
